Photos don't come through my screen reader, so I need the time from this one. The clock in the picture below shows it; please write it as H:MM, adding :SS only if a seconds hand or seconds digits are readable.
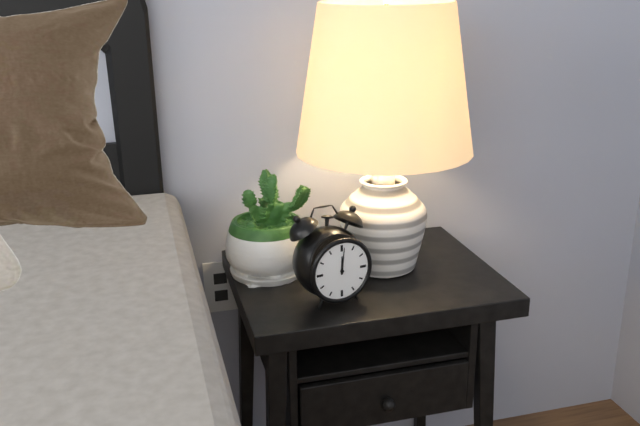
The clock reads 12:01
